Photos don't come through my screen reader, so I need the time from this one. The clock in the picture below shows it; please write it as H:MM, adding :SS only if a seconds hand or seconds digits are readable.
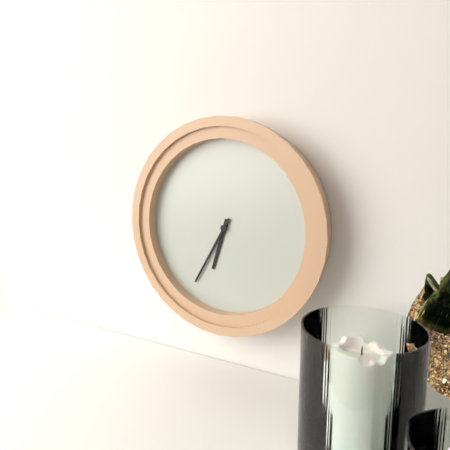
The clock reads 6:35
